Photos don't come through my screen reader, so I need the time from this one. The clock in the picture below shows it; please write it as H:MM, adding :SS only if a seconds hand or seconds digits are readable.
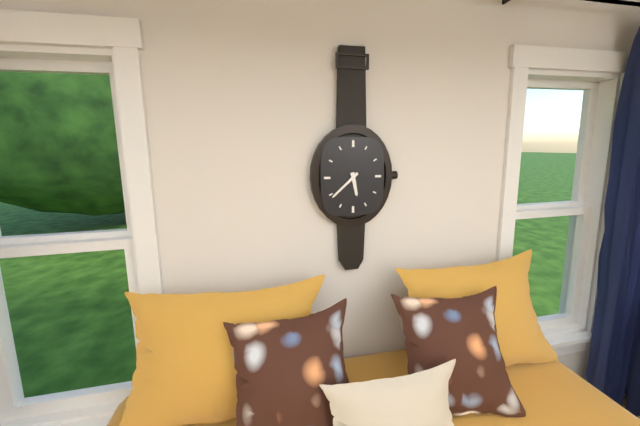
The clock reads 5:38
